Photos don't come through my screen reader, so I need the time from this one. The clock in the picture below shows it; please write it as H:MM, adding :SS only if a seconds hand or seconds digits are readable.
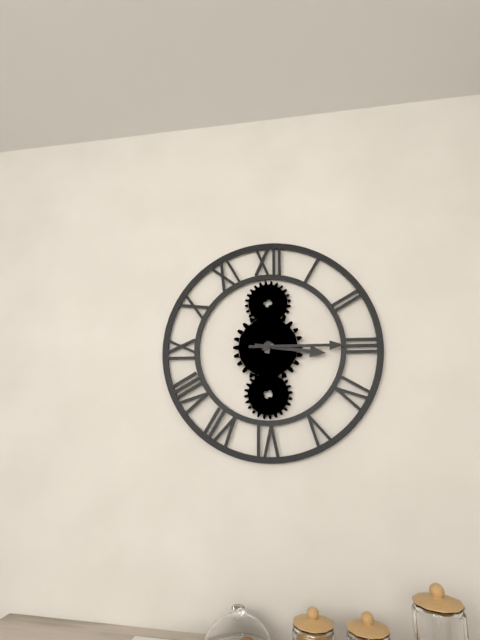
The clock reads 3:15
